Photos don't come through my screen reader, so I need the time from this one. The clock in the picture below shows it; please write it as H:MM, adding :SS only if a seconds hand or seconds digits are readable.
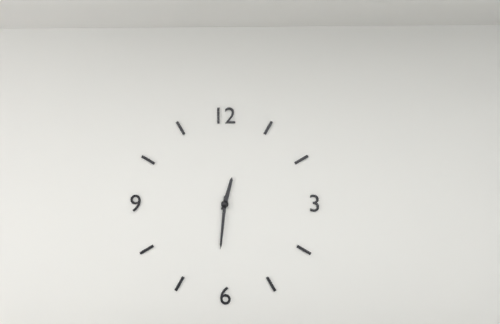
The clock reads 12:31
